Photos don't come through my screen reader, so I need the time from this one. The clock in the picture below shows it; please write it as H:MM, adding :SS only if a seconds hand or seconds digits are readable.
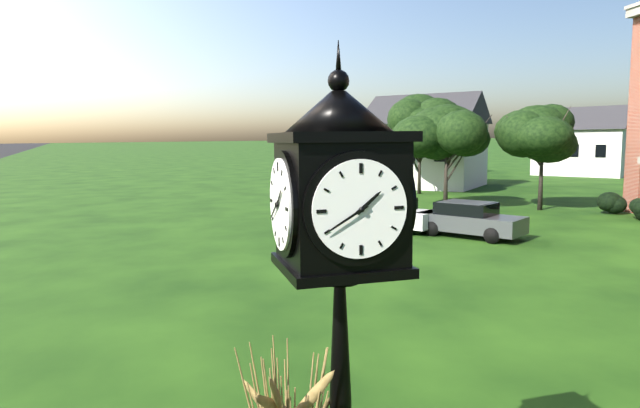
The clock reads 1:40
